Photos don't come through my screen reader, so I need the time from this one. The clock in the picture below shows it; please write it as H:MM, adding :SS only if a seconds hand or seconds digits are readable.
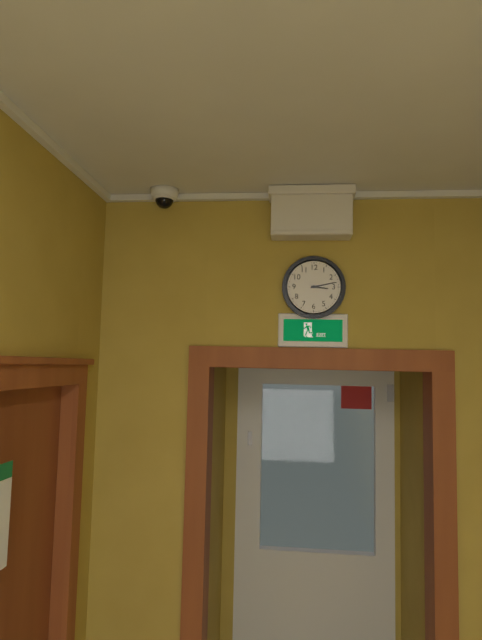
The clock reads 3:13
